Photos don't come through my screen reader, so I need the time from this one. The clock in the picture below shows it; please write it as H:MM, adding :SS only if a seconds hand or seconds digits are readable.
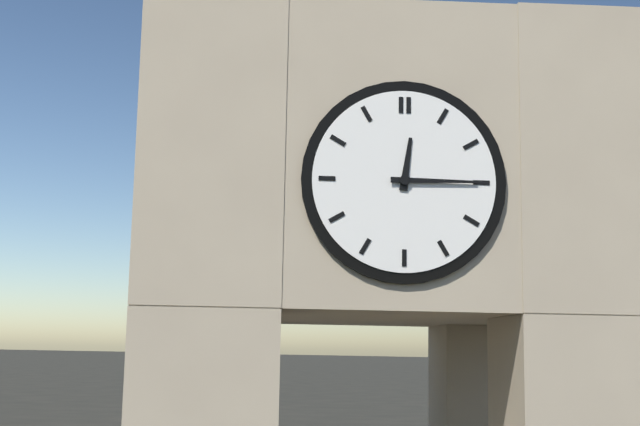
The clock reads 12:15
